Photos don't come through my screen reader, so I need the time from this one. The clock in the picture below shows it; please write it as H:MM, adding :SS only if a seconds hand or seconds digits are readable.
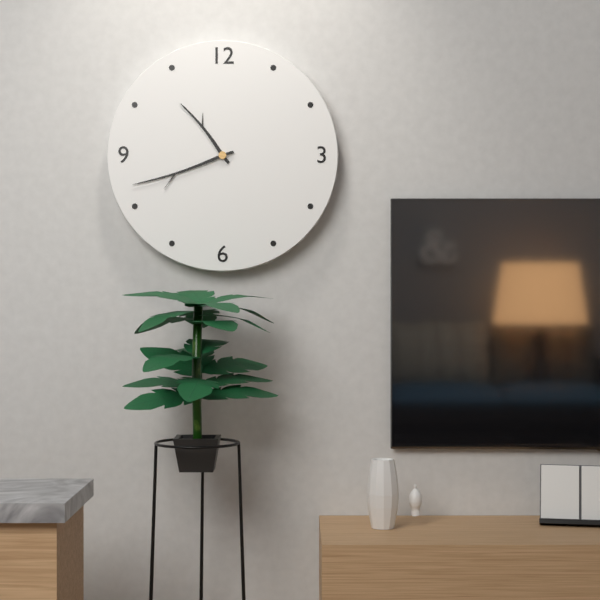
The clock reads 10:42
